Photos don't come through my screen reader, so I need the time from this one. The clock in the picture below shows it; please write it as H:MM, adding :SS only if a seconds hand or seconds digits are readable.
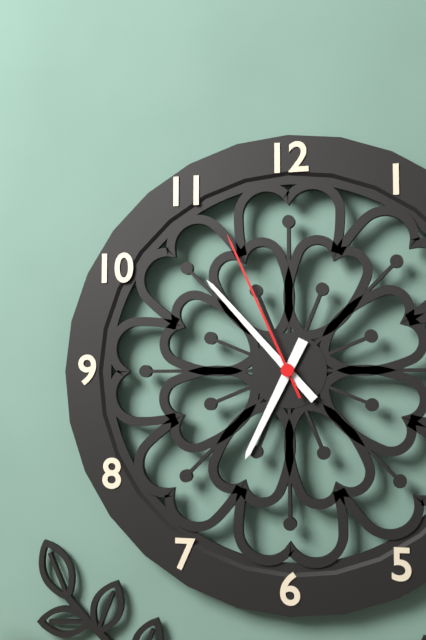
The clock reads 6:53:56
